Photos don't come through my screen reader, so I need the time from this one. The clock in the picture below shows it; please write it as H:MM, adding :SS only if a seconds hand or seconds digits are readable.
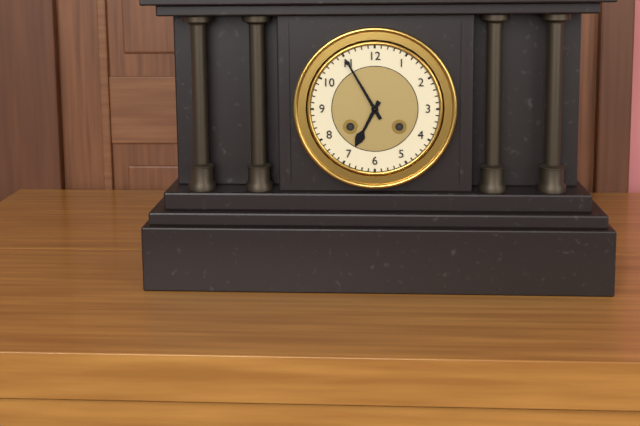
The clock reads 6:55
